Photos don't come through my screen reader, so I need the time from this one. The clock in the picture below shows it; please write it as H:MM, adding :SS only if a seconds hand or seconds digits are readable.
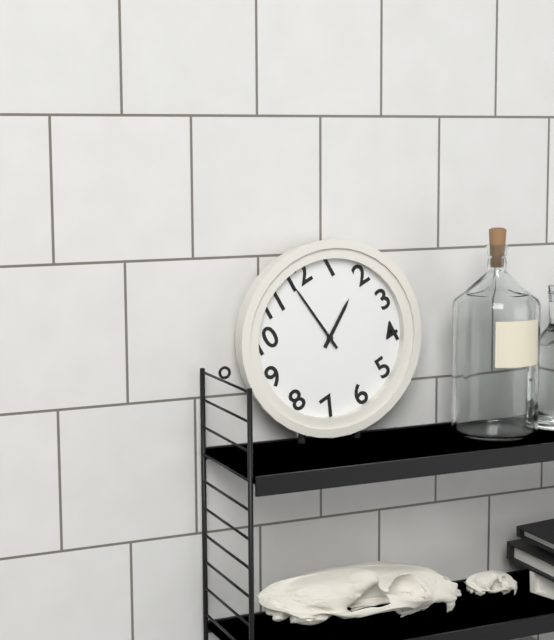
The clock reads 1:59
